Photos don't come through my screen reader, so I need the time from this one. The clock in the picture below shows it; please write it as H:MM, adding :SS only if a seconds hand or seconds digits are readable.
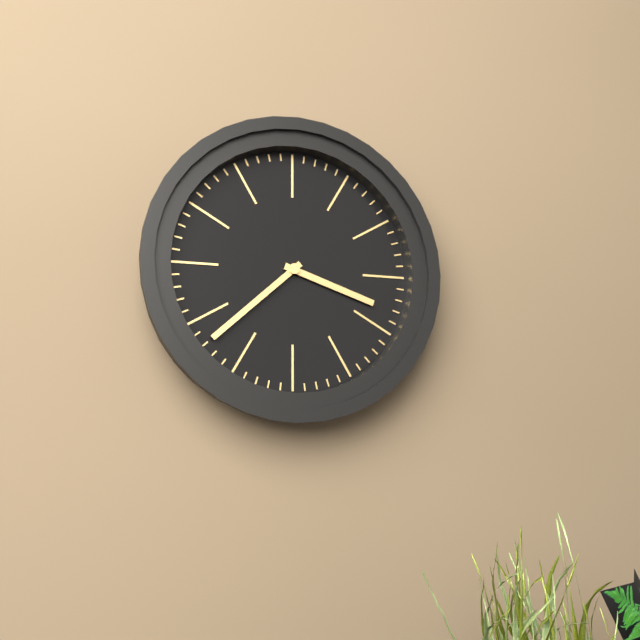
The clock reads 3:38
